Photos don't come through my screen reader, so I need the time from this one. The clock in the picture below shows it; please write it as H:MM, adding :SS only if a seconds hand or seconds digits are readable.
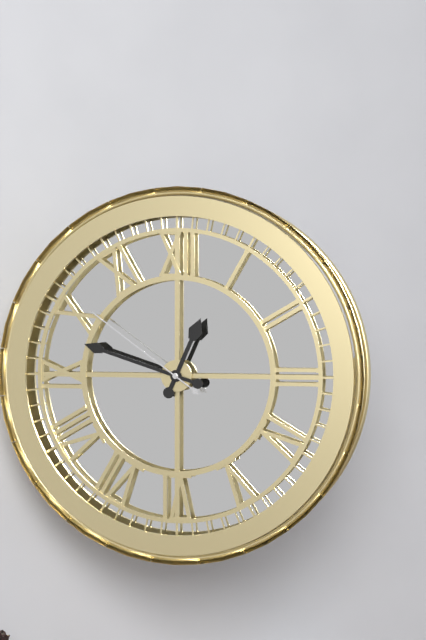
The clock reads 12:48:51
